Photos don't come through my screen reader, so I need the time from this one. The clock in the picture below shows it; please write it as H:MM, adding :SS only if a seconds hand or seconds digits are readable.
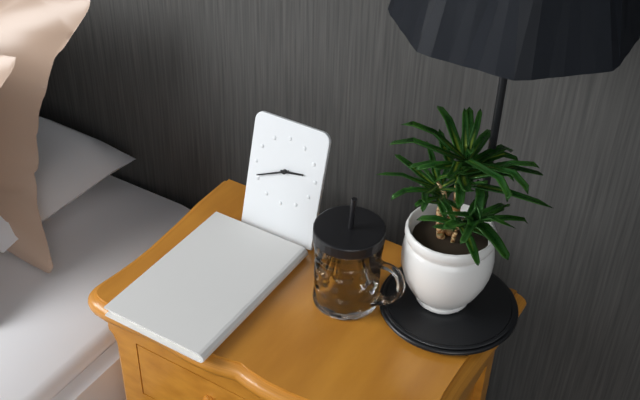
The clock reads 2:41
